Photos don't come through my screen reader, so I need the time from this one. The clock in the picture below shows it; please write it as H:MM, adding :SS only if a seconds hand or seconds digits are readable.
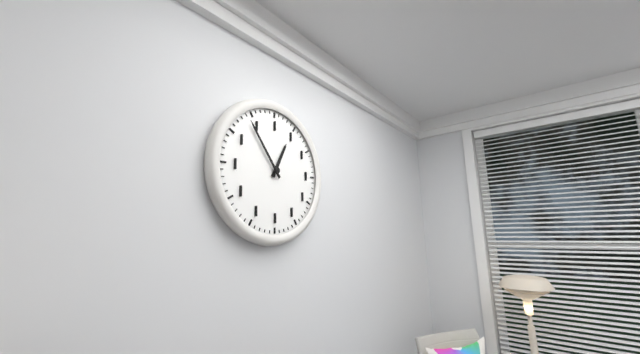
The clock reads 12:54
